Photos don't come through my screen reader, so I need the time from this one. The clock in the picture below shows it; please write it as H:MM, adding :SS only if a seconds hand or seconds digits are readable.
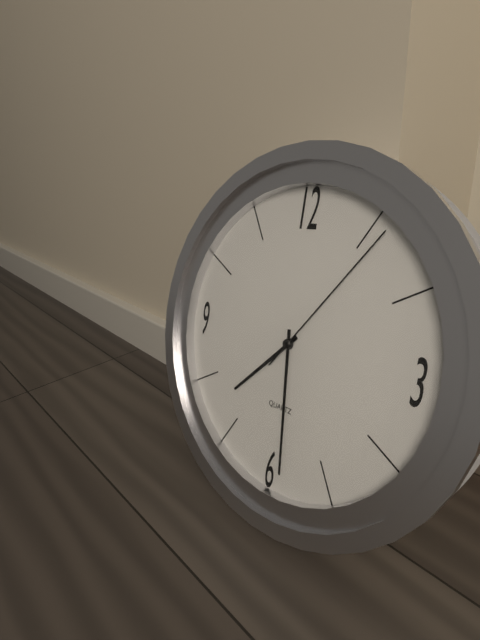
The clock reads 7:29:06
